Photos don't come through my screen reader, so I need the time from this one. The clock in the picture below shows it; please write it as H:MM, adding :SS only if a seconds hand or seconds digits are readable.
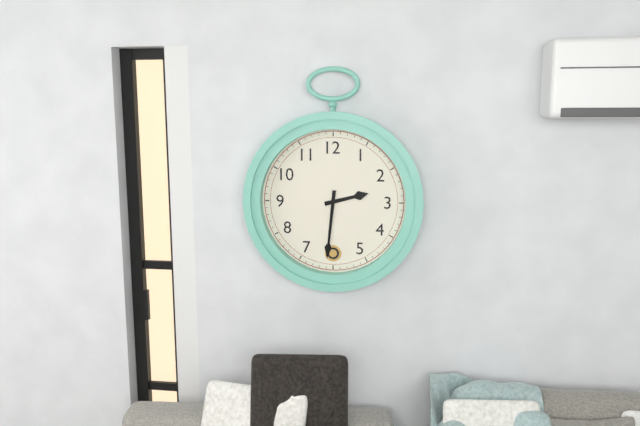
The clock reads 2:31
